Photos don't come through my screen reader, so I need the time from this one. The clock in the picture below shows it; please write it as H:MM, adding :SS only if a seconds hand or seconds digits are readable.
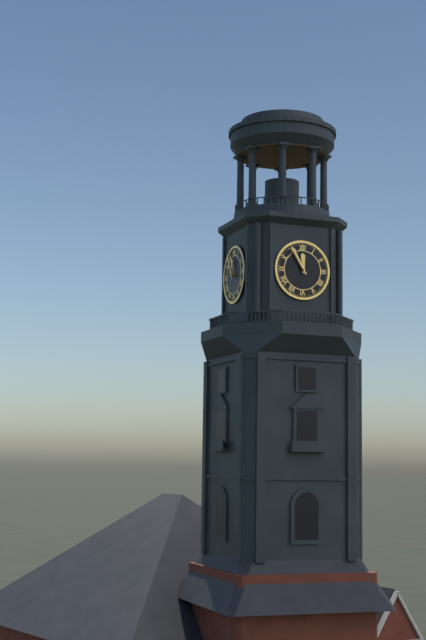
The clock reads 11:55
